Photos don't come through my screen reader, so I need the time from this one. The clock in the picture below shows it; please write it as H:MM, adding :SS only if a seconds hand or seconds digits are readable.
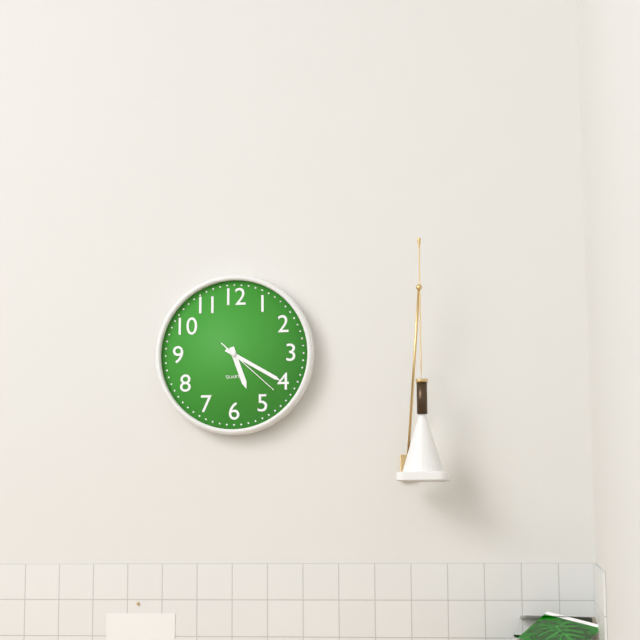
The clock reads 5:20:22
